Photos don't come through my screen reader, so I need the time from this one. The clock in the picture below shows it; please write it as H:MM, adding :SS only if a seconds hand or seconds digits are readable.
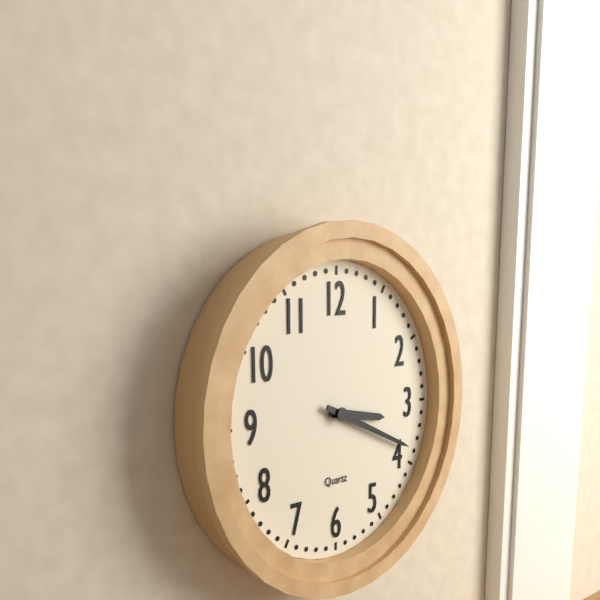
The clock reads 3:19
